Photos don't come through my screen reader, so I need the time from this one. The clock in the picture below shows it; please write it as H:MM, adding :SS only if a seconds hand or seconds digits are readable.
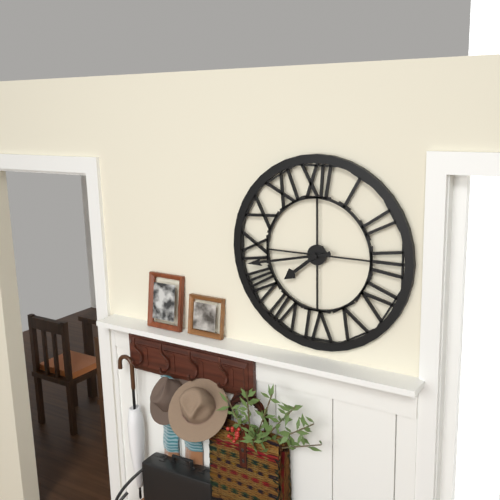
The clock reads 7:43
